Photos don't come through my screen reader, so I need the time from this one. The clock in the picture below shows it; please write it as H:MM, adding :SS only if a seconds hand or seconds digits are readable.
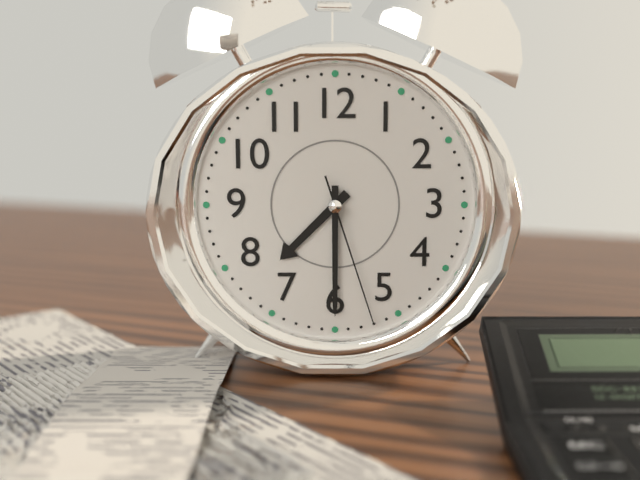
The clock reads 7:30:27
